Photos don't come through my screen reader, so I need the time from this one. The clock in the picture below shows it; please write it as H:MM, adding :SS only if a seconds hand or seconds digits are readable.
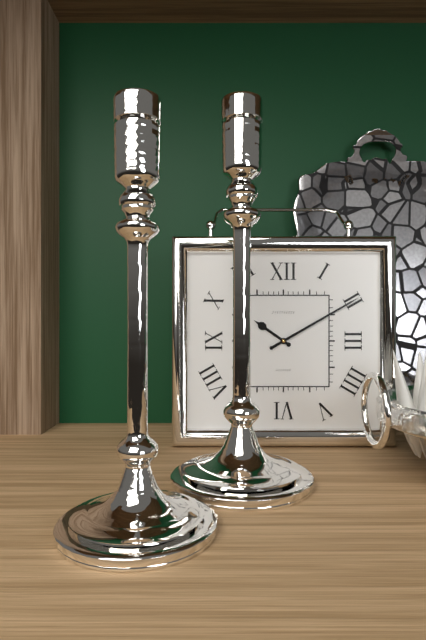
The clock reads 10:10
